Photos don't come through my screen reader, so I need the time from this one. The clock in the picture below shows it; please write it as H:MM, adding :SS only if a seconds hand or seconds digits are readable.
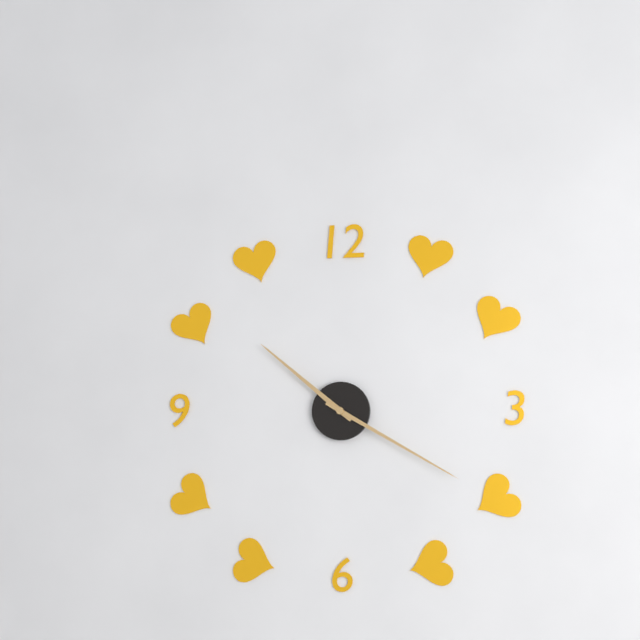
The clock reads 10:20
